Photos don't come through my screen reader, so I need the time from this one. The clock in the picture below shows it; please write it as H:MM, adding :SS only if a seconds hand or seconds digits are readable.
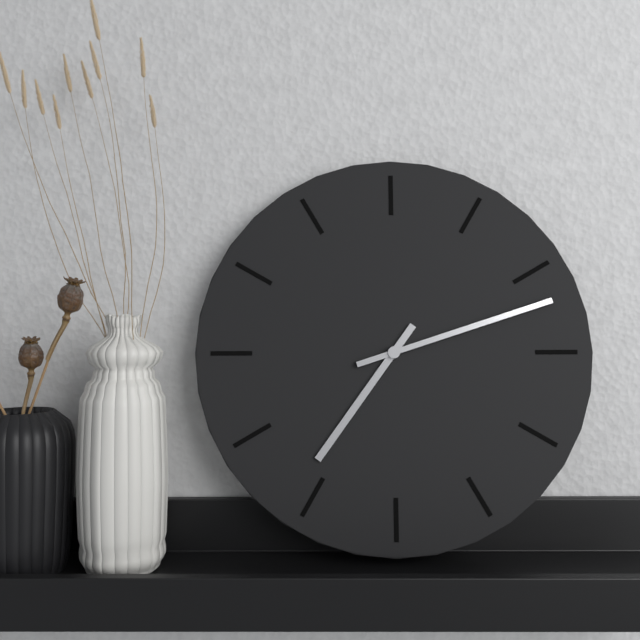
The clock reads 7:12
